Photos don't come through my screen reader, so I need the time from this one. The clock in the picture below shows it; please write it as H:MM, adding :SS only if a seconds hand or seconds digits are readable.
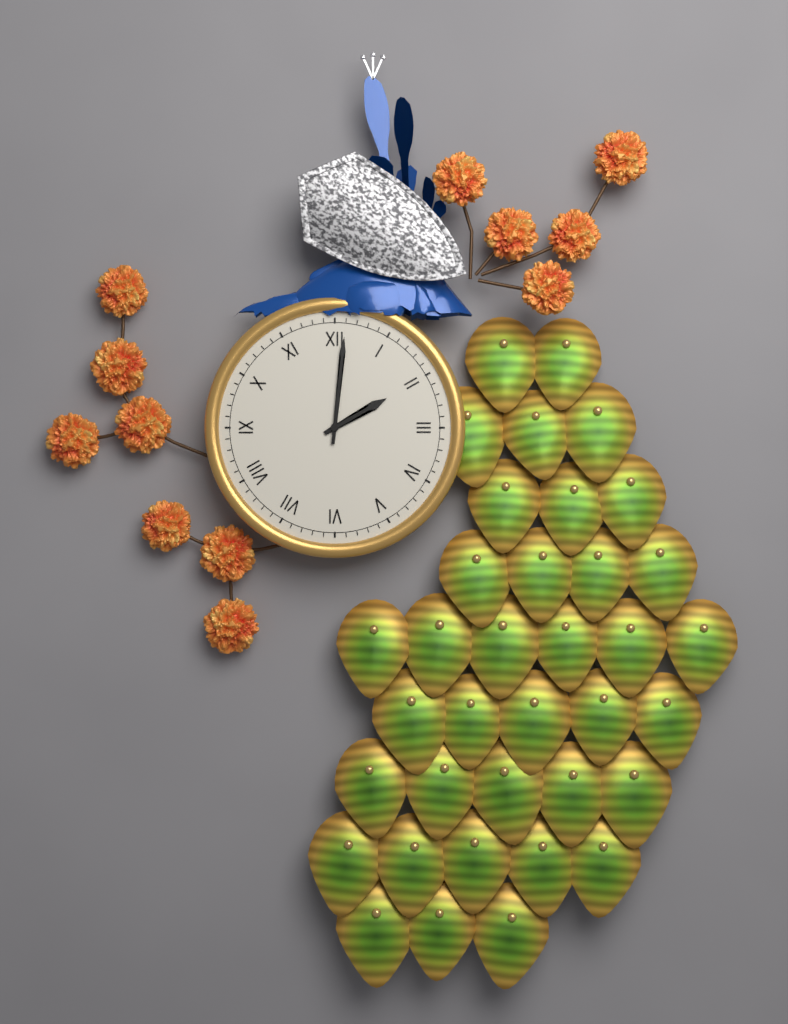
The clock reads 2:01
